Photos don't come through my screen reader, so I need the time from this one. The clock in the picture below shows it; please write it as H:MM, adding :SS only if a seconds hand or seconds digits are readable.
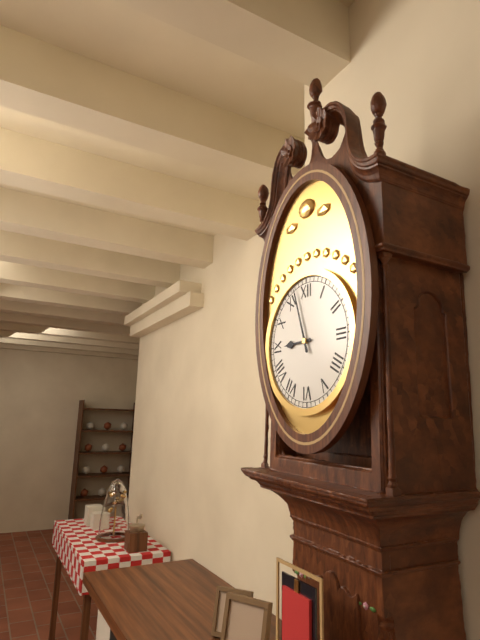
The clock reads 8:57
